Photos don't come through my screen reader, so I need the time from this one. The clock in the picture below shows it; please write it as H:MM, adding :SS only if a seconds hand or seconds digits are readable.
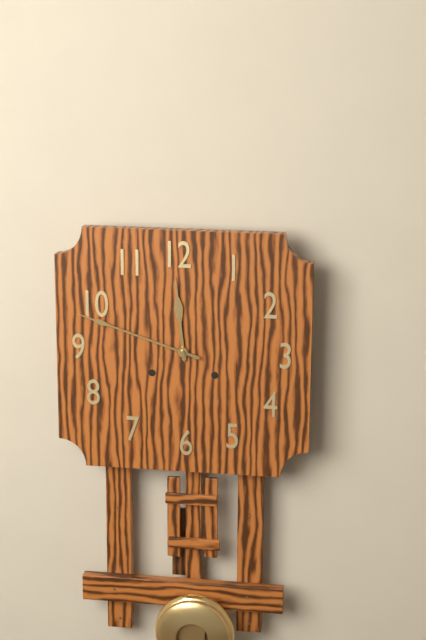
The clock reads 11:48
